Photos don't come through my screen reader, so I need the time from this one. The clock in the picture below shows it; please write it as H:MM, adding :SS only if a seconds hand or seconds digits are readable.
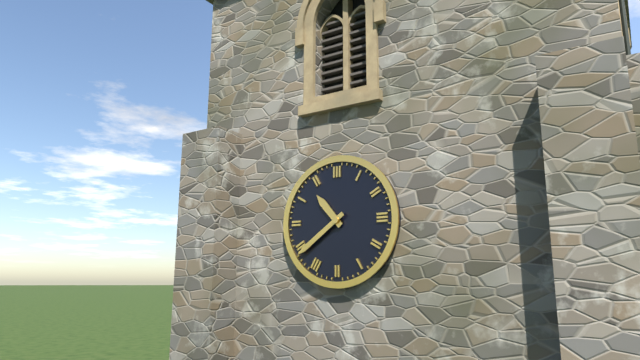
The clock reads 10:39
